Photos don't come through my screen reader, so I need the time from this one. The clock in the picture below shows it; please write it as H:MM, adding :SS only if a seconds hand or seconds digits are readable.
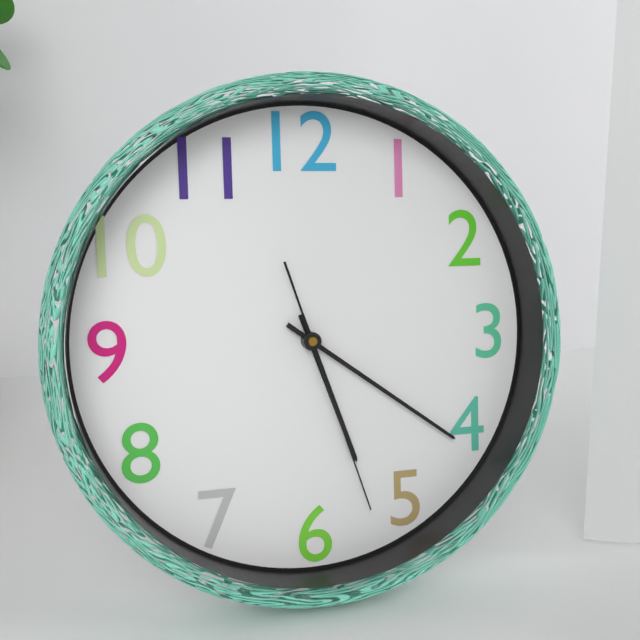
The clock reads 5:21:27
